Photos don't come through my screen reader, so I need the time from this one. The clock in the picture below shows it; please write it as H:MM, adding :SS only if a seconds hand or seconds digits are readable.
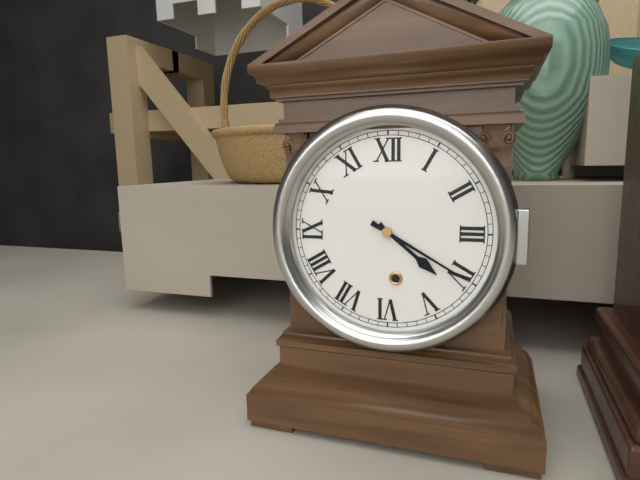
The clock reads 4:20
